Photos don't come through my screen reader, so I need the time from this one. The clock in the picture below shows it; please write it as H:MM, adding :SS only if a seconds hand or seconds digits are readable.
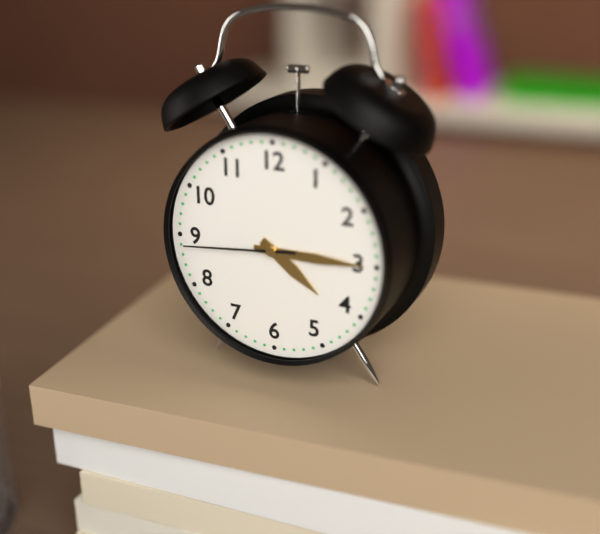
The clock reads 4:15:44
